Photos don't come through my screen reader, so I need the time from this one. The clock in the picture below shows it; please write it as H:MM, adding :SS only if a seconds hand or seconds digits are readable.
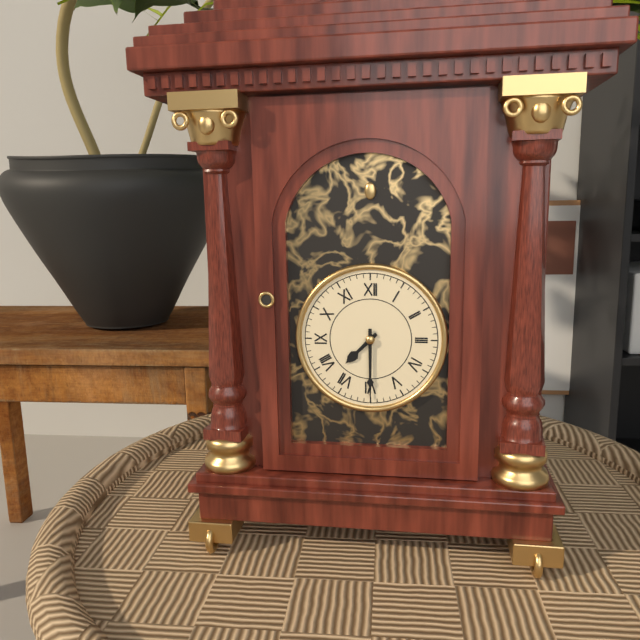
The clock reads 7:30
